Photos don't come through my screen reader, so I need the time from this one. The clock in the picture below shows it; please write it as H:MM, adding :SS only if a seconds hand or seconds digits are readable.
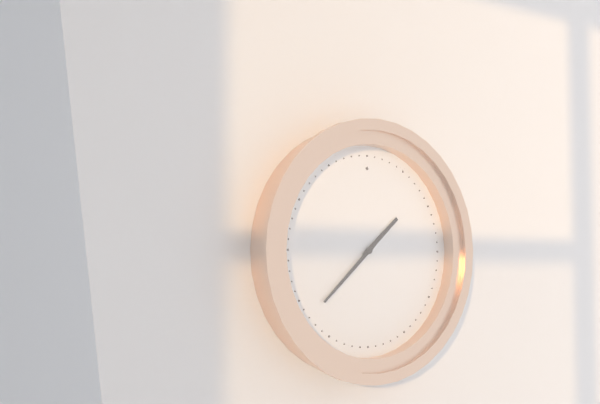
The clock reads 1:38
